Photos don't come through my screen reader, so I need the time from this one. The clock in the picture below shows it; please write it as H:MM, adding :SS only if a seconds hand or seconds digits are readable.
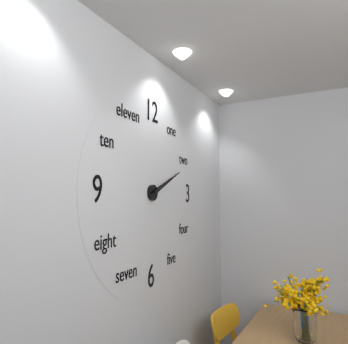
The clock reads 2:11
